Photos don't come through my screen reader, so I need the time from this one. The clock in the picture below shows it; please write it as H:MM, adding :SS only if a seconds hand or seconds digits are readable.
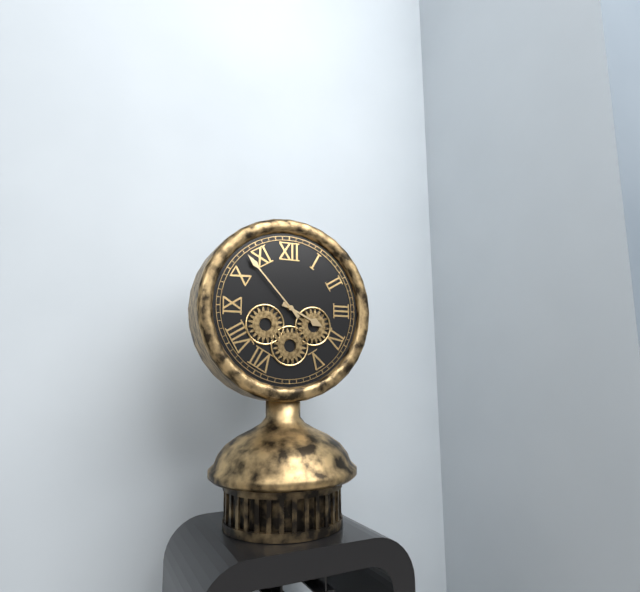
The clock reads 3:53
